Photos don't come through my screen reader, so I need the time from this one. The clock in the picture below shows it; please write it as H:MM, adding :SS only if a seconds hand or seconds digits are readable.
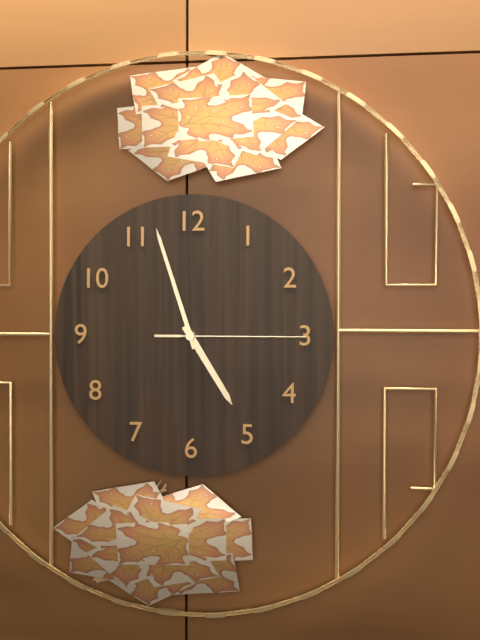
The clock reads 4:57:15
